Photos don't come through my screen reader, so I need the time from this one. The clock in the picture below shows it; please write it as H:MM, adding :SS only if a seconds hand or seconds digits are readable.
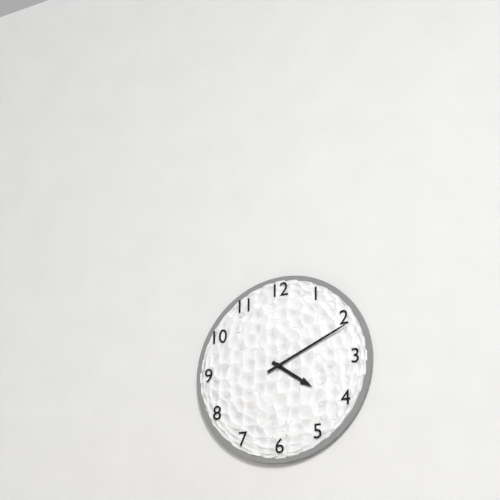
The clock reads 4:11
